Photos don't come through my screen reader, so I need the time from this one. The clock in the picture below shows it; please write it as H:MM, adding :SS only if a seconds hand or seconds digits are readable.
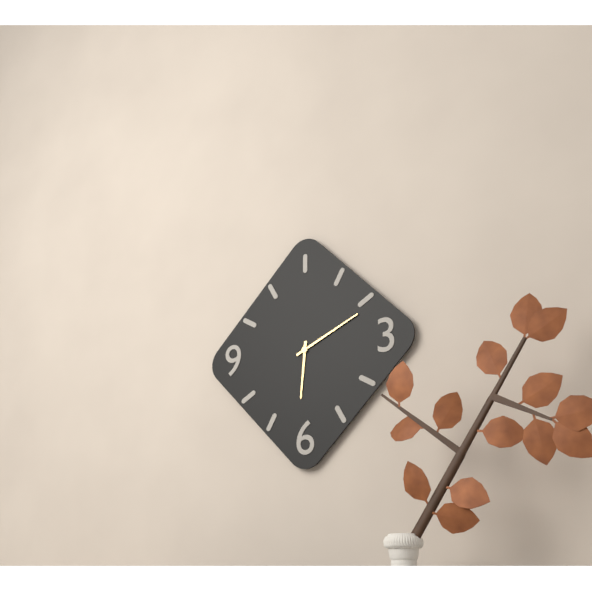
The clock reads 6:11
